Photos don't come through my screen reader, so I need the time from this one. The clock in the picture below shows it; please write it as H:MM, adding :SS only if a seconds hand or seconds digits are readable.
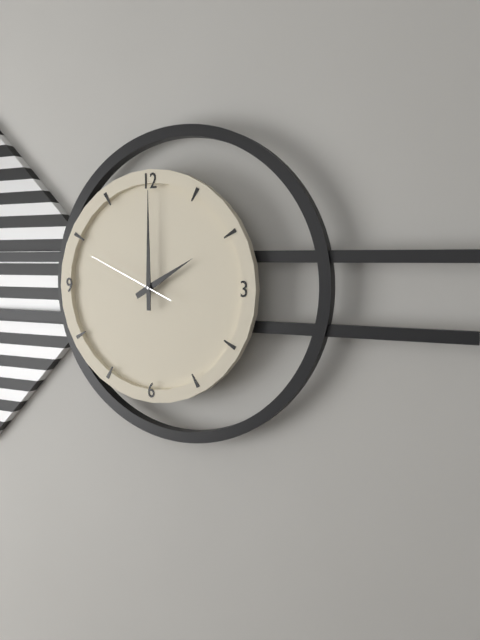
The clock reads 2:00:49
